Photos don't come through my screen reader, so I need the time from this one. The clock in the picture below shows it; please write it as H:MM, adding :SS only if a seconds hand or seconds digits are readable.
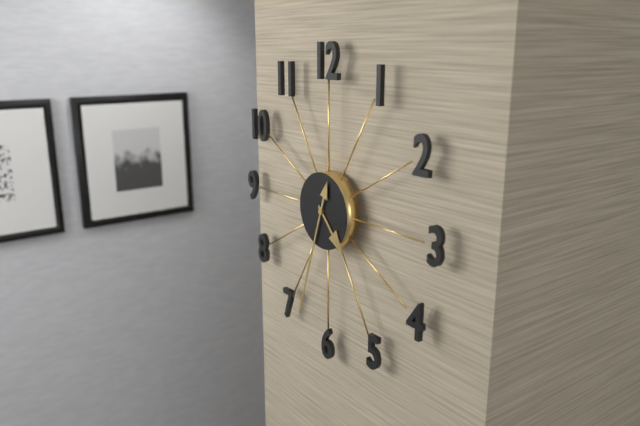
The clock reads 4:33
